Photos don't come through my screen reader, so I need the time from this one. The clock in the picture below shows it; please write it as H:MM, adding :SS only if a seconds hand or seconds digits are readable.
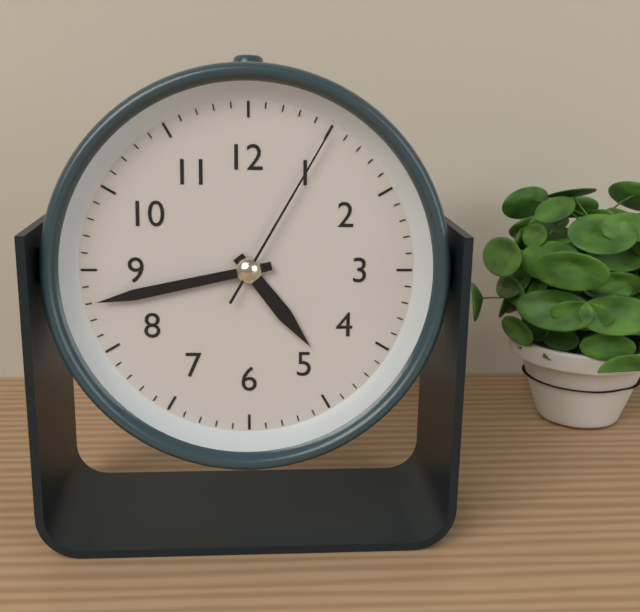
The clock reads 4:43:05
